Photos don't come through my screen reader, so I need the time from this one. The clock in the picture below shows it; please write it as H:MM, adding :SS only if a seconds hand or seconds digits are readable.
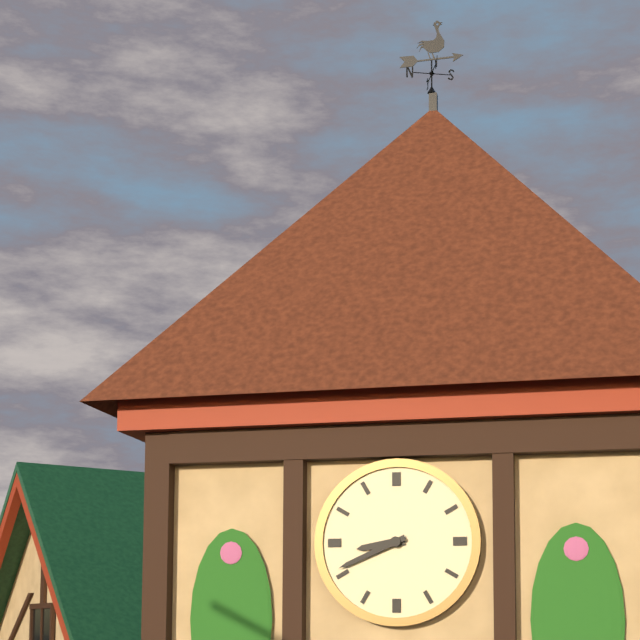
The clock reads 8:41
